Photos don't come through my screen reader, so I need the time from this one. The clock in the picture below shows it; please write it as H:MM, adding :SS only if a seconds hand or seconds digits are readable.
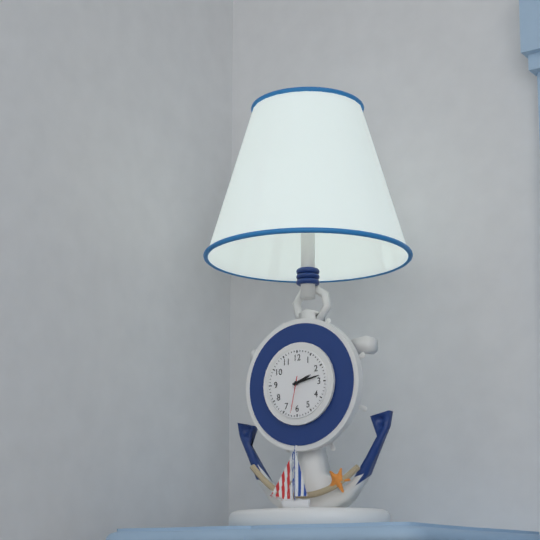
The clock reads 2:13
